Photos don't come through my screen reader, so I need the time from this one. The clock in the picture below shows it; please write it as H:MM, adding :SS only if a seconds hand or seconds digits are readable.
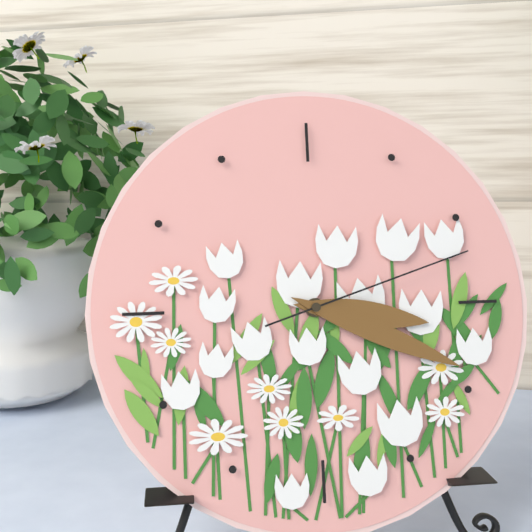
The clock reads 3:19:12
